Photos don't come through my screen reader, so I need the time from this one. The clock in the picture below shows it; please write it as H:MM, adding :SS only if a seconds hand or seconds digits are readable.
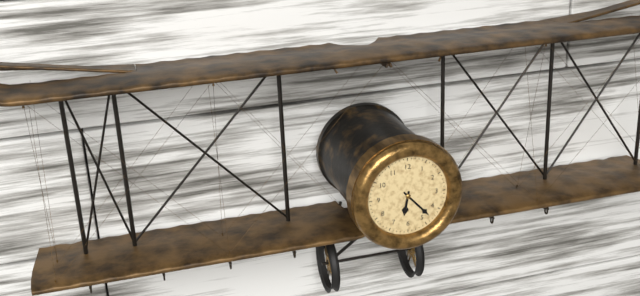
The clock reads 6:23
